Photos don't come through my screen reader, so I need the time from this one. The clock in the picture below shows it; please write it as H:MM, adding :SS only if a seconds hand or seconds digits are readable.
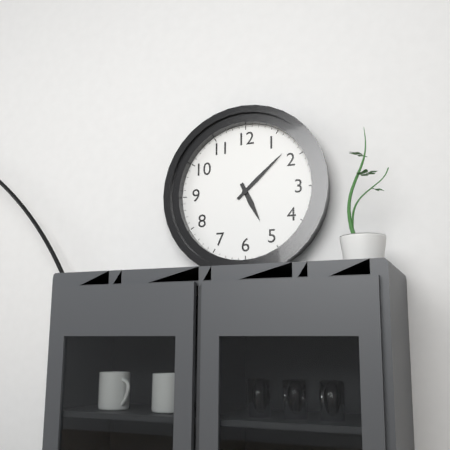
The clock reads 5:08
